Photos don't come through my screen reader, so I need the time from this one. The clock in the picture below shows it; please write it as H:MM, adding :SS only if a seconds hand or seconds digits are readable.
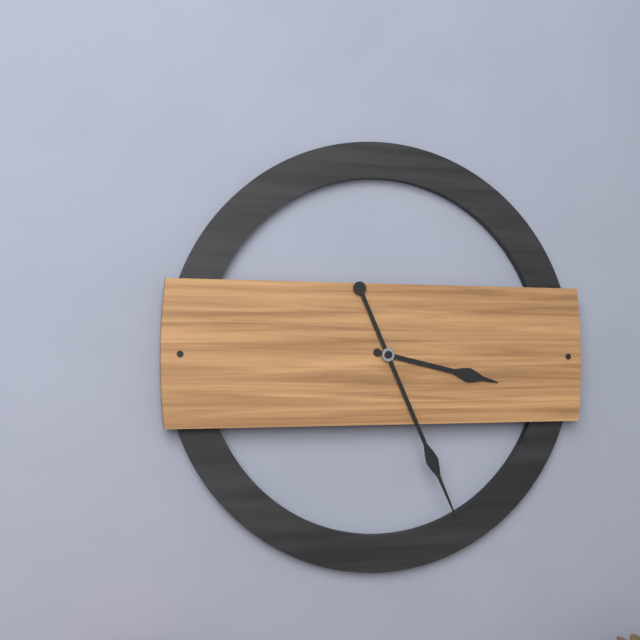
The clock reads 3:26
